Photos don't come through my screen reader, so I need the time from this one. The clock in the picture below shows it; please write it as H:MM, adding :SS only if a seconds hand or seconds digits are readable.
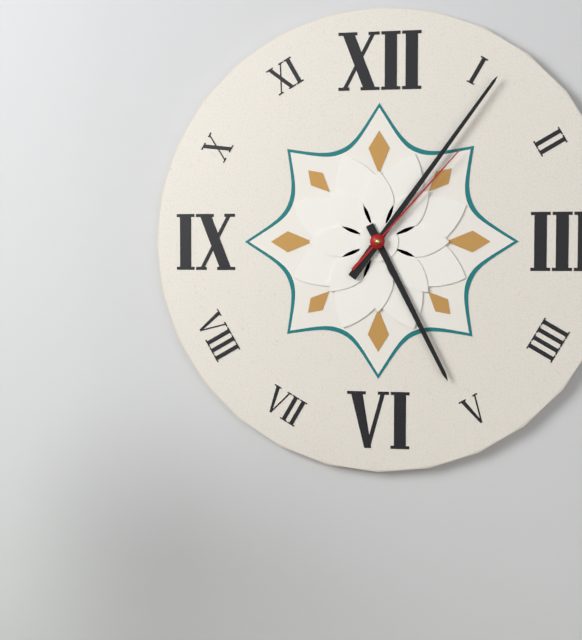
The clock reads 5:06:07
